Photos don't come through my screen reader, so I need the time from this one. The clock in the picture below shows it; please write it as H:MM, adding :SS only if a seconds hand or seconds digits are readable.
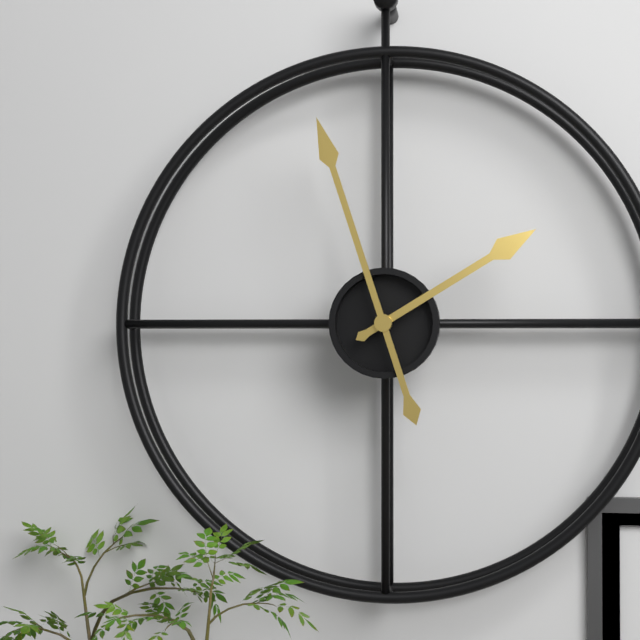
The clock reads 1:57
